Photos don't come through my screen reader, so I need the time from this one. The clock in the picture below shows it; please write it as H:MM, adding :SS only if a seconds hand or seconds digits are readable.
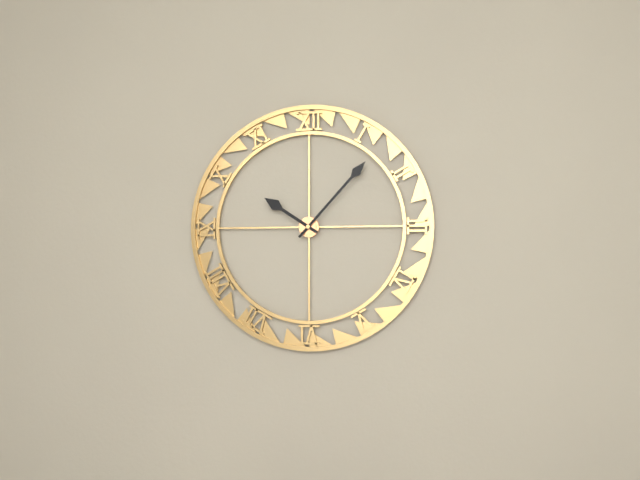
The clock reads 10:07
